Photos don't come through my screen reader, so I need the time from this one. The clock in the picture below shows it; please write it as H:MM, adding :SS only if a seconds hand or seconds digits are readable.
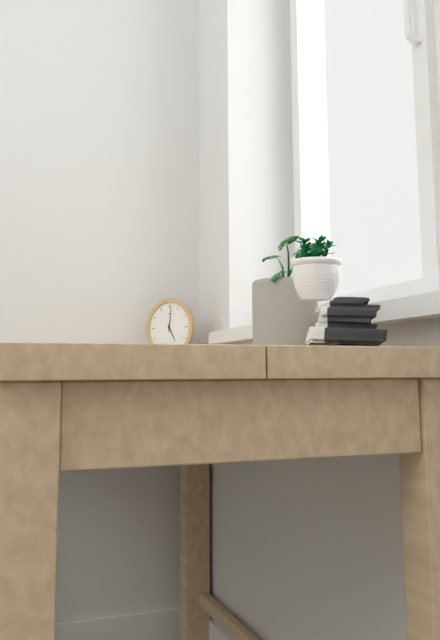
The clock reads 5:01
